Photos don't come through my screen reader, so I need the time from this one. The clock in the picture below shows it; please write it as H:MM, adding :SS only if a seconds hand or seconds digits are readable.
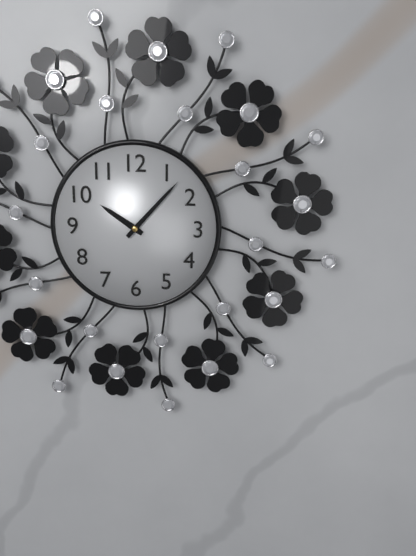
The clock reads 10:07
